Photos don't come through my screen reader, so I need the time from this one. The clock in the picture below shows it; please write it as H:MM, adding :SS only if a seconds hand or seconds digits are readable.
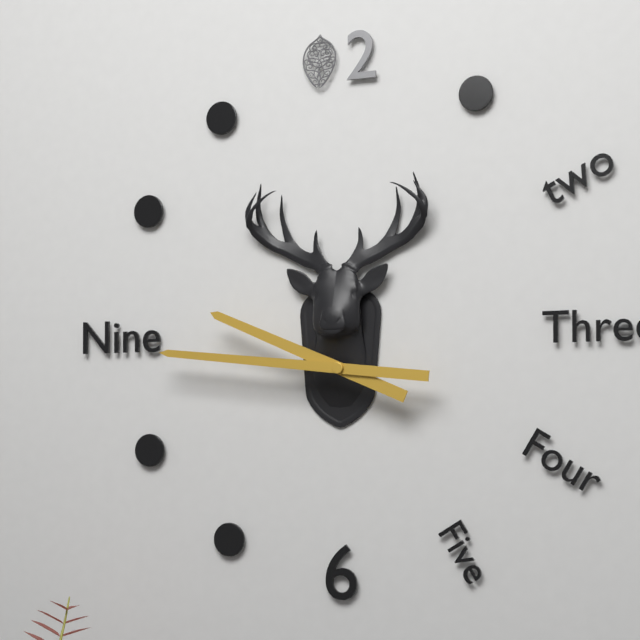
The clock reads 9:46
